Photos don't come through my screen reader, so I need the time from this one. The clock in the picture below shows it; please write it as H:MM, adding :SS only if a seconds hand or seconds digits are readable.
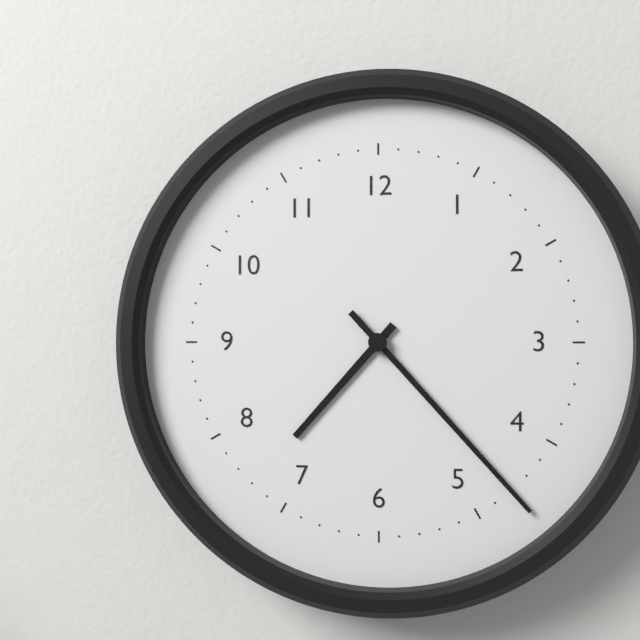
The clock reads 7:23
